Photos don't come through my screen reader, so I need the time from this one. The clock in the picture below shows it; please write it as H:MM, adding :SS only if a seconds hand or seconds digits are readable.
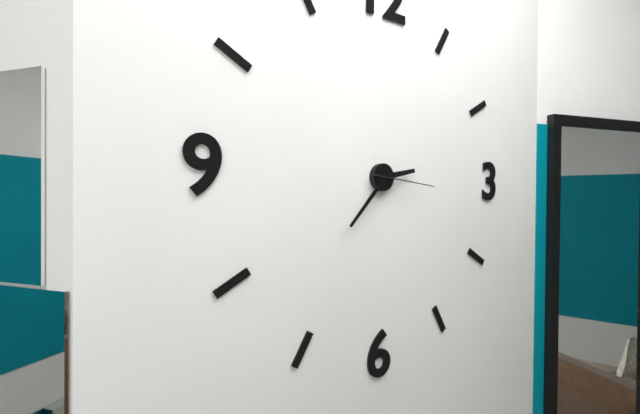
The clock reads 2:37:16
